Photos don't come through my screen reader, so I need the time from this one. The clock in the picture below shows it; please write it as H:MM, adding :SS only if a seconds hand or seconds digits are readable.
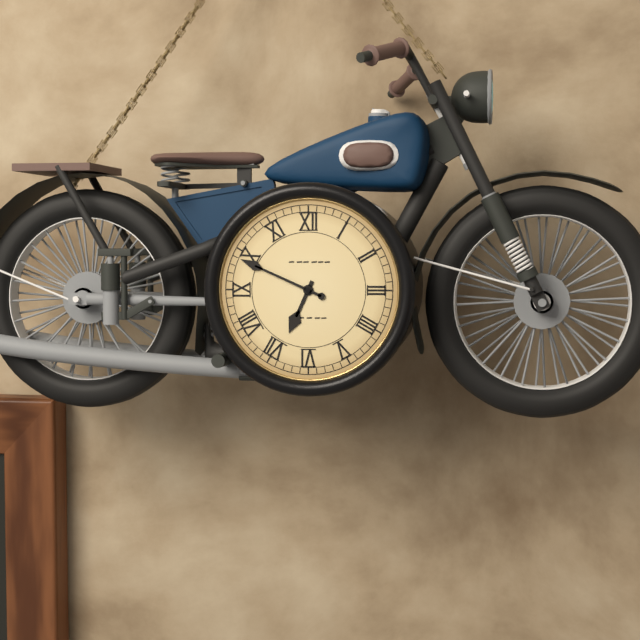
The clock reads 6:49
